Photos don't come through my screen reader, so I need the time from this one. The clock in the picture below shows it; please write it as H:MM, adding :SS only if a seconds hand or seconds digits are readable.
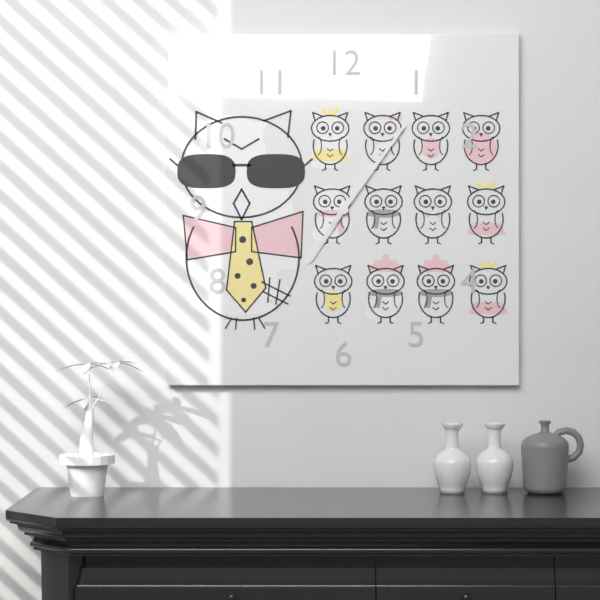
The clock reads 7:06
